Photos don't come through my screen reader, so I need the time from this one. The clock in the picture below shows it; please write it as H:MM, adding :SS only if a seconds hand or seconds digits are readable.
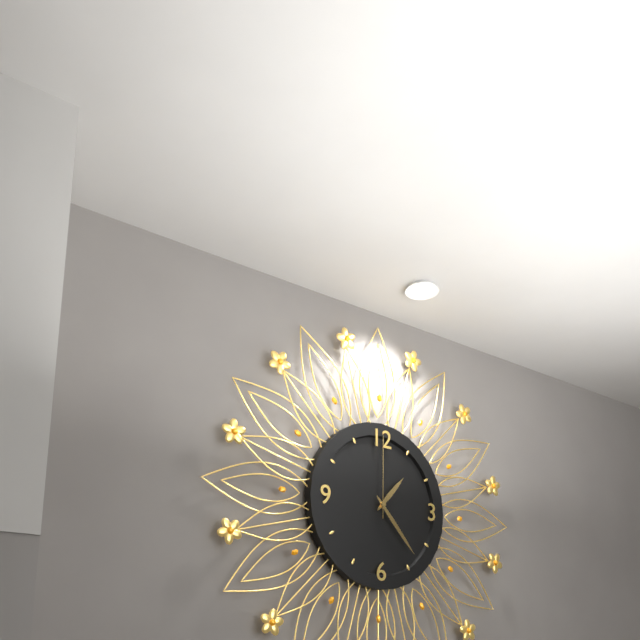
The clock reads 1:23:00
